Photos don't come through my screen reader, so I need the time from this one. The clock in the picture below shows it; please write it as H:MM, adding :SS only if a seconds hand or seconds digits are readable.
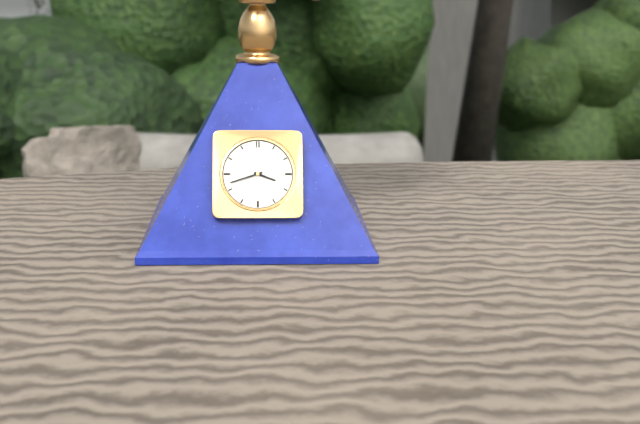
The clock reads 3:42
